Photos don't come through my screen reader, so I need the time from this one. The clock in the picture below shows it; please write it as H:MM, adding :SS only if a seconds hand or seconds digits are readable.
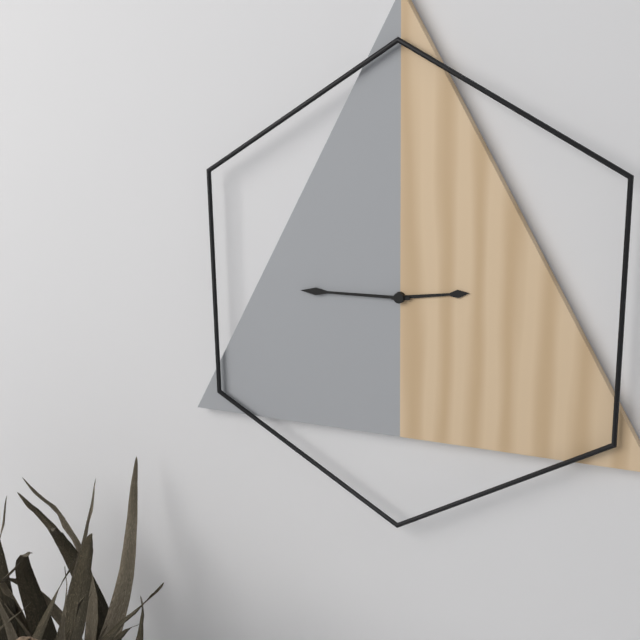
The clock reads 2:45
